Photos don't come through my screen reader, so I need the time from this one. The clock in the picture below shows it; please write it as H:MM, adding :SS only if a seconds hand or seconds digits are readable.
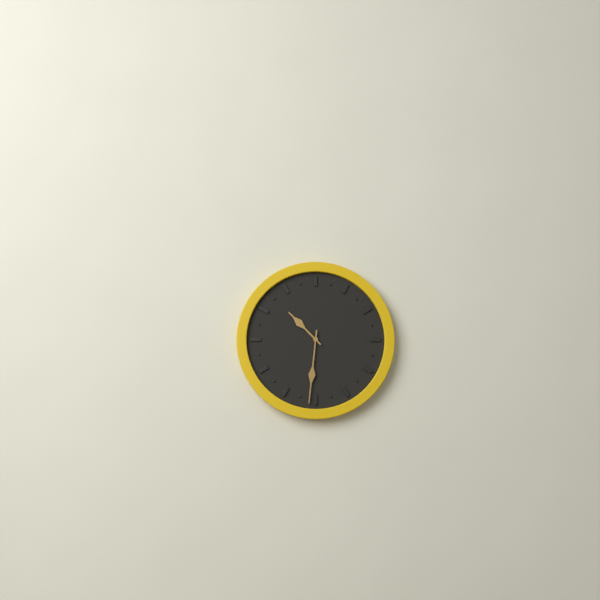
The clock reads 10:31
